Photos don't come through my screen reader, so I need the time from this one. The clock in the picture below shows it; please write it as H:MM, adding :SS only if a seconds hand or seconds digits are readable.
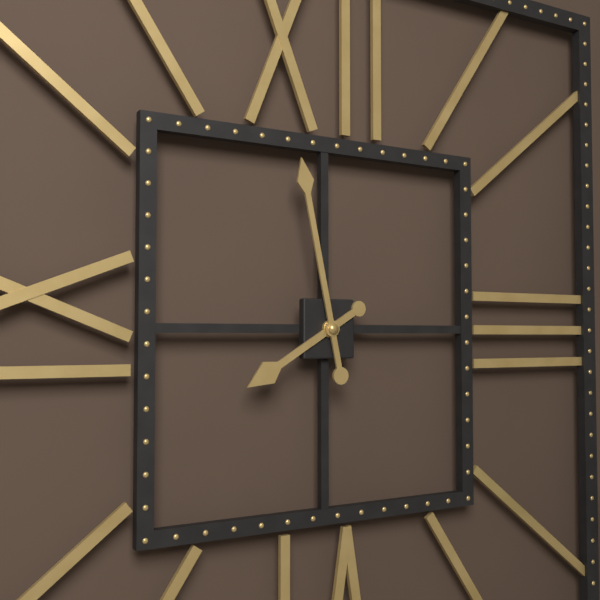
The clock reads 7:58
